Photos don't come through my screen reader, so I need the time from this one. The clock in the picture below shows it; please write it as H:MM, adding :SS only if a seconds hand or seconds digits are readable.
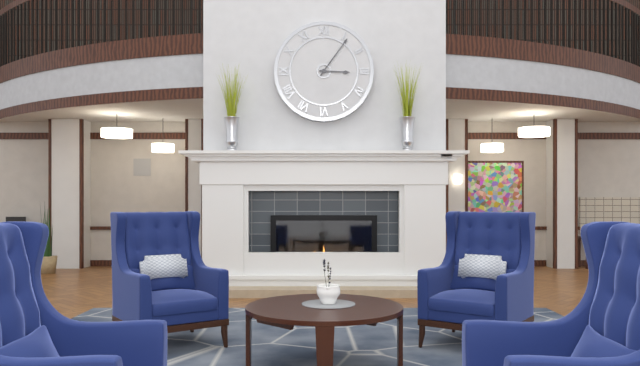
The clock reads 3:06
